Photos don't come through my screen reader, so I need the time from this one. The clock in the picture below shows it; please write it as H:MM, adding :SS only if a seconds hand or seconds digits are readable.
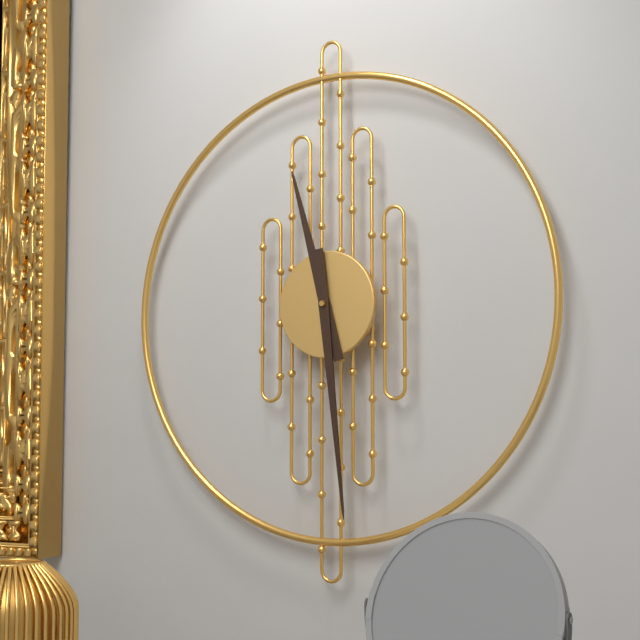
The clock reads 11:29
